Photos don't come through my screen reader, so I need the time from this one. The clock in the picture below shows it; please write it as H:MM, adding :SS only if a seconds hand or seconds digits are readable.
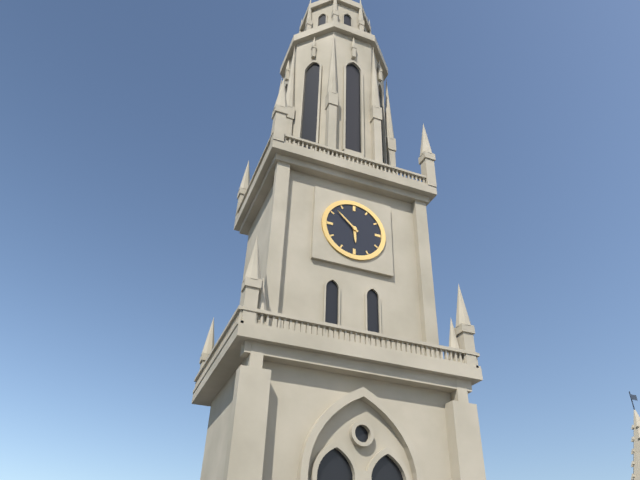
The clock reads 5:52
